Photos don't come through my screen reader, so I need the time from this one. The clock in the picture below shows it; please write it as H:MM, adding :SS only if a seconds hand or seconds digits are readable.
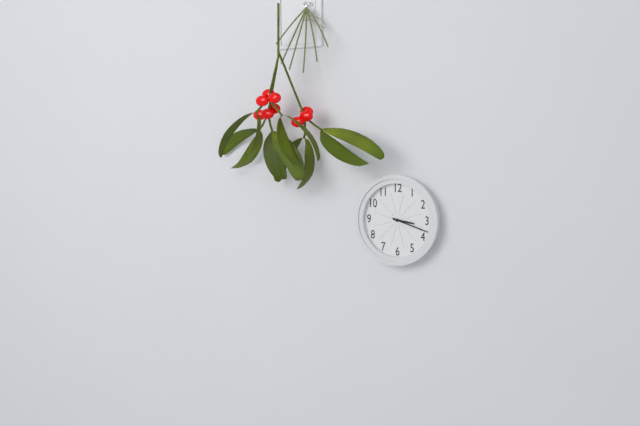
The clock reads 3:18
